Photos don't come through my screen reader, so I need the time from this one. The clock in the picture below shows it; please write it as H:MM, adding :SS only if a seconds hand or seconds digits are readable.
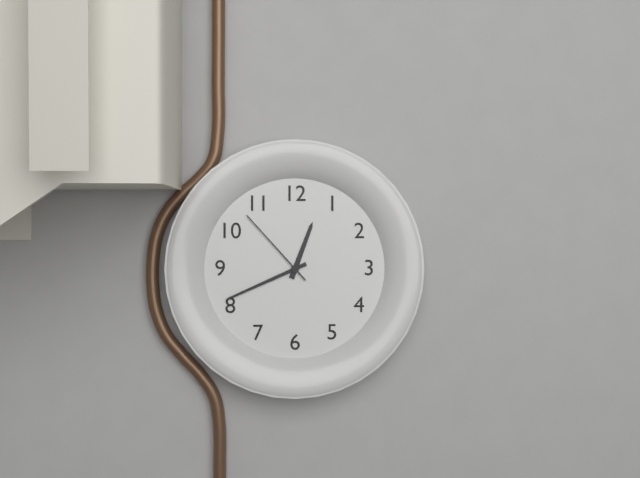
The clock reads 12:41:53
